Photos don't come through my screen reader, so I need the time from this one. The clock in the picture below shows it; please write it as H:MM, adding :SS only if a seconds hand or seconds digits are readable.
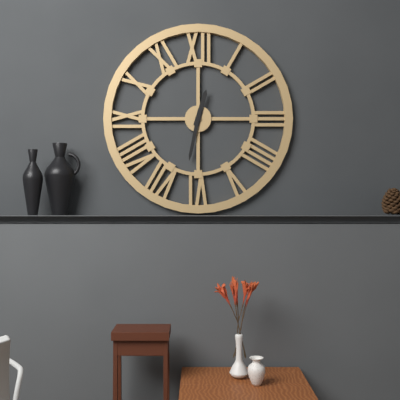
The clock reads 12:32
